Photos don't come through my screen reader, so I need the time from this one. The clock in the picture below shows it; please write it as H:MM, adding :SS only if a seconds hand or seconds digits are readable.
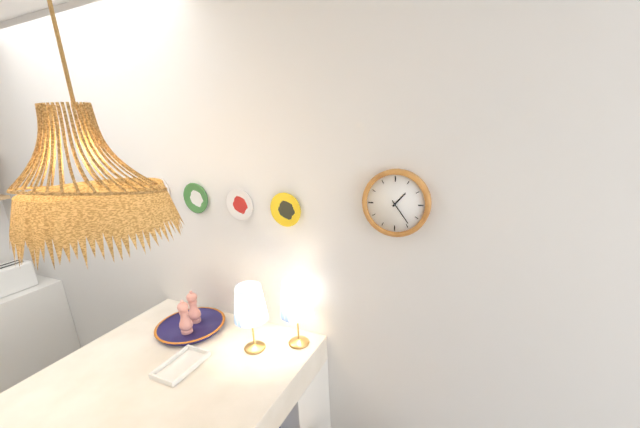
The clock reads 1:24
